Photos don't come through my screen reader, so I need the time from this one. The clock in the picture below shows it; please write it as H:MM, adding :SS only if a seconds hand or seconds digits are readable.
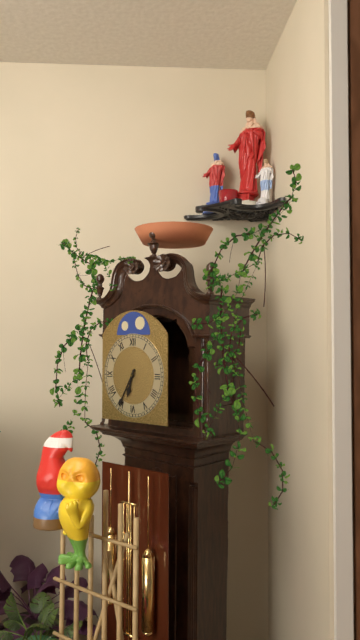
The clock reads 6:35
